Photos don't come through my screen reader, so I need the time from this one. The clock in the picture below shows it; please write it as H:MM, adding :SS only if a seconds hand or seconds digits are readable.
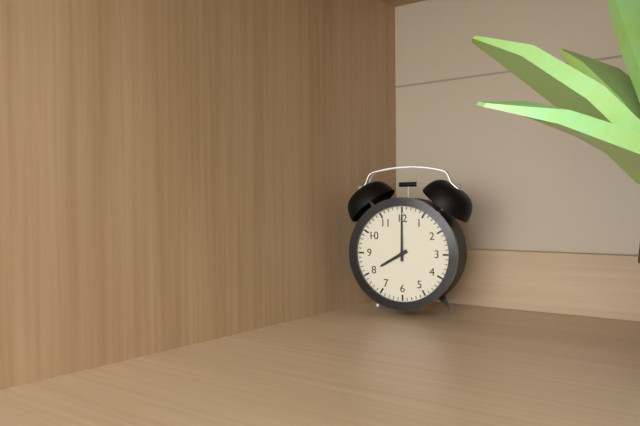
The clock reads 8:00
